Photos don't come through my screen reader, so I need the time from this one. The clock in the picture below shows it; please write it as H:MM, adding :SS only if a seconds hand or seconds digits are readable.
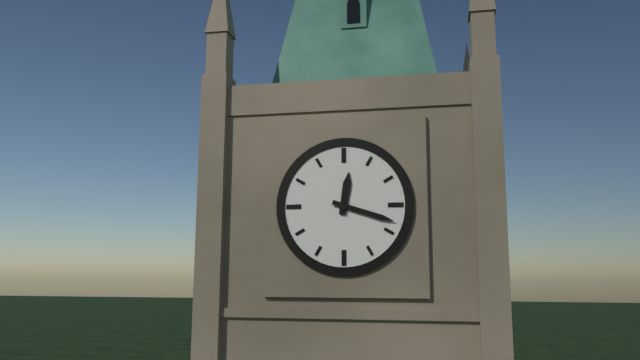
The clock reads 12:18
